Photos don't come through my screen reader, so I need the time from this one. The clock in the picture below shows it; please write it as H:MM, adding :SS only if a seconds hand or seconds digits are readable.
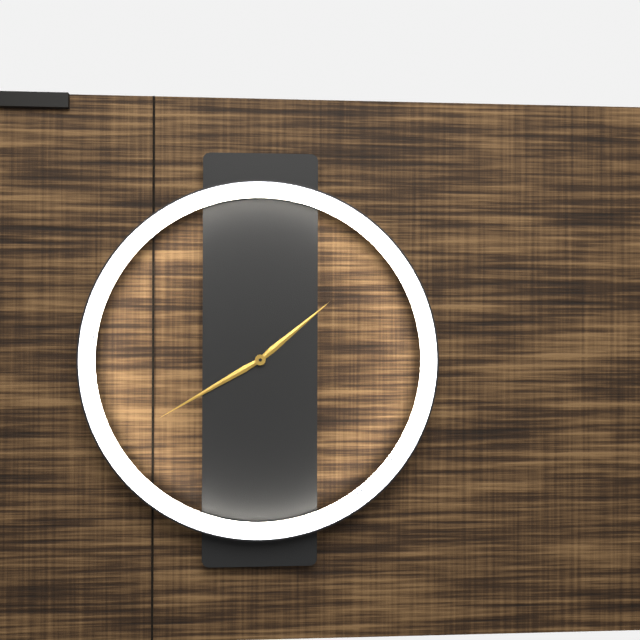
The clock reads 1:40
